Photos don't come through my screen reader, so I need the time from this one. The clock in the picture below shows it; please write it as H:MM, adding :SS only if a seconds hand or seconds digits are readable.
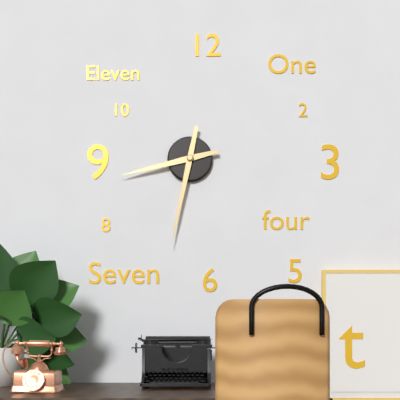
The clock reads 8:32
